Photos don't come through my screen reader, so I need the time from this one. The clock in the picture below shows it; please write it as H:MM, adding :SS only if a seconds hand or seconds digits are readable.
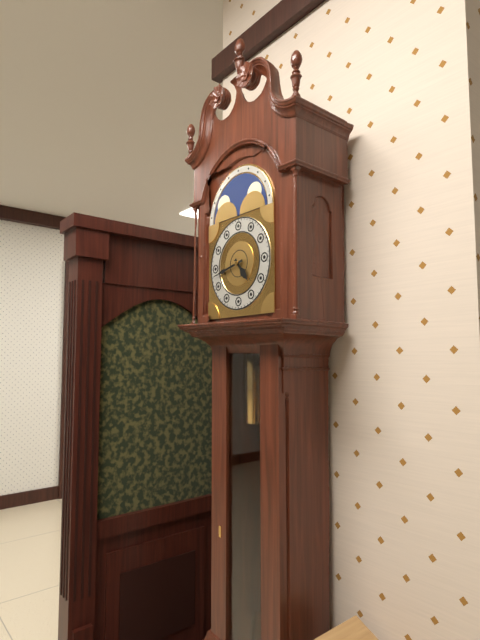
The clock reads 4:43
